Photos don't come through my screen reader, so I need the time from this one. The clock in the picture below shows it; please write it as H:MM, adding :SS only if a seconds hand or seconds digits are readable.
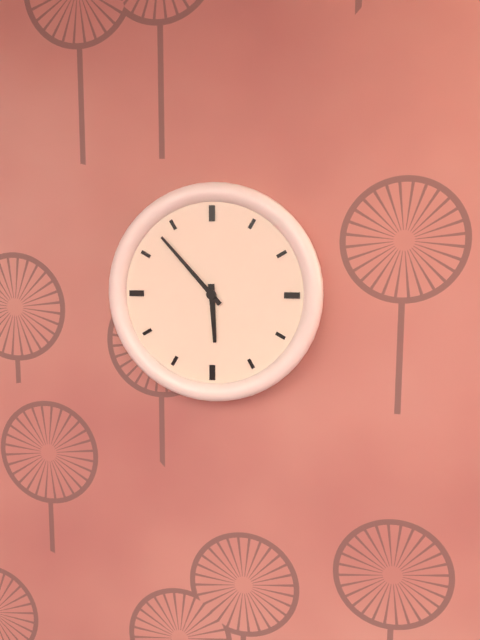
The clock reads 5:53
